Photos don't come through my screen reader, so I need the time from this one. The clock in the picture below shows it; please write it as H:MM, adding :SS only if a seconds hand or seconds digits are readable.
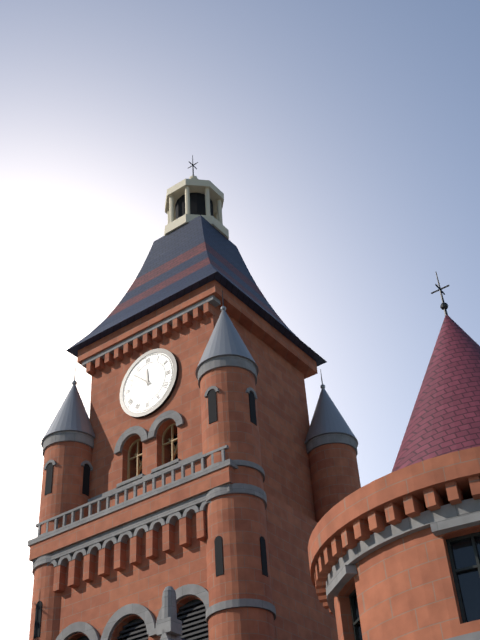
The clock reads 11:52
